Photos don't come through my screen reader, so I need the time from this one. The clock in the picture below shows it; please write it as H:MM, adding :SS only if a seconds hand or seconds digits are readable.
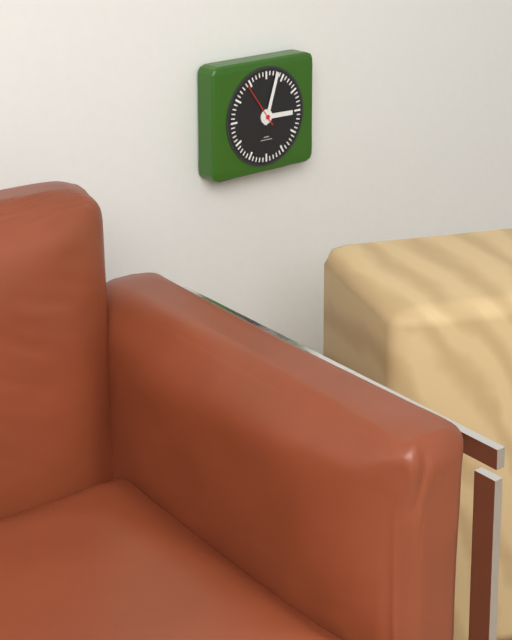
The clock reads 3:03
